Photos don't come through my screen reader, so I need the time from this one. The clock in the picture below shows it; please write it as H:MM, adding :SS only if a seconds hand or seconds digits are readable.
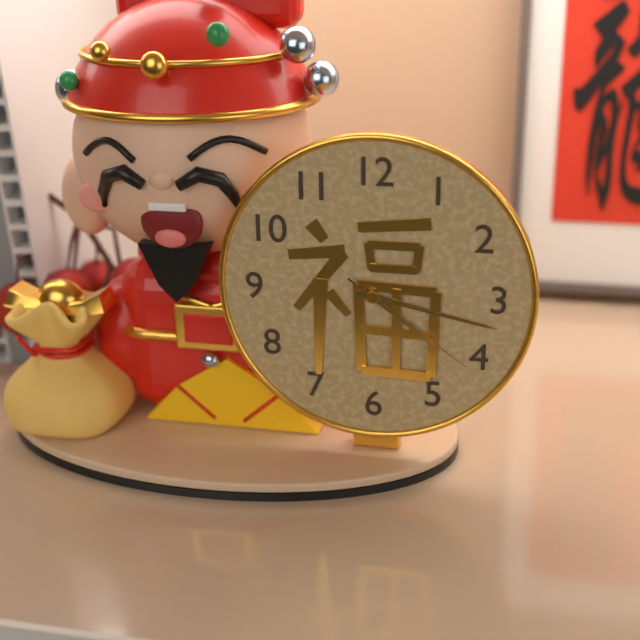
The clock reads 4:17:21
